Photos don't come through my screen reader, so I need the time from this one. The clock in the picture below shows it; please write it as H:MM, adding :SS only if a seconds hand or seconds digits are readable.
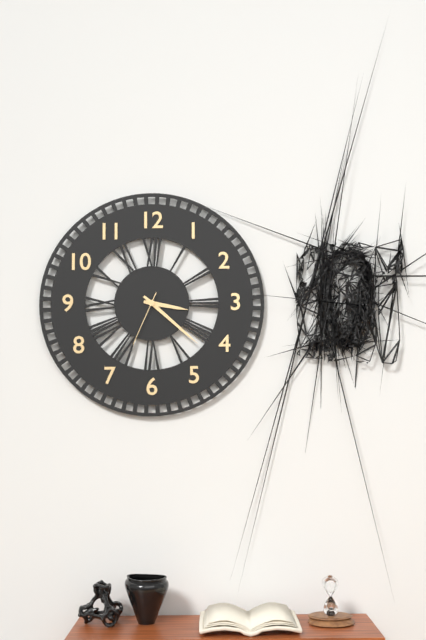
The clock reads 3:22:34
